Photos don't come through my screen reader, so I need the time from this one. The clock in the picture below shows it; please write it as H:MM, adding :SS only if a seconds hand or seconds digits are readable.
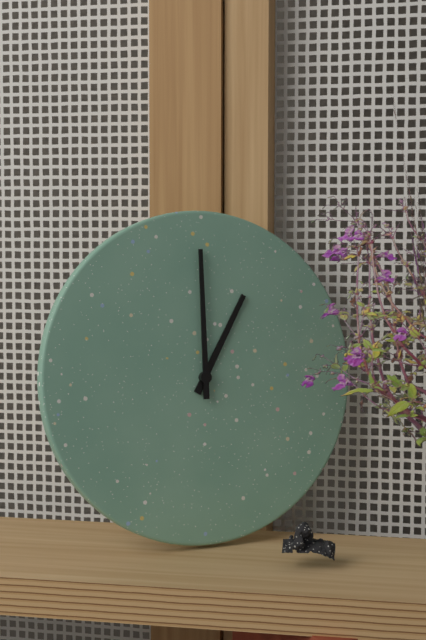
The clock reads 1:00
